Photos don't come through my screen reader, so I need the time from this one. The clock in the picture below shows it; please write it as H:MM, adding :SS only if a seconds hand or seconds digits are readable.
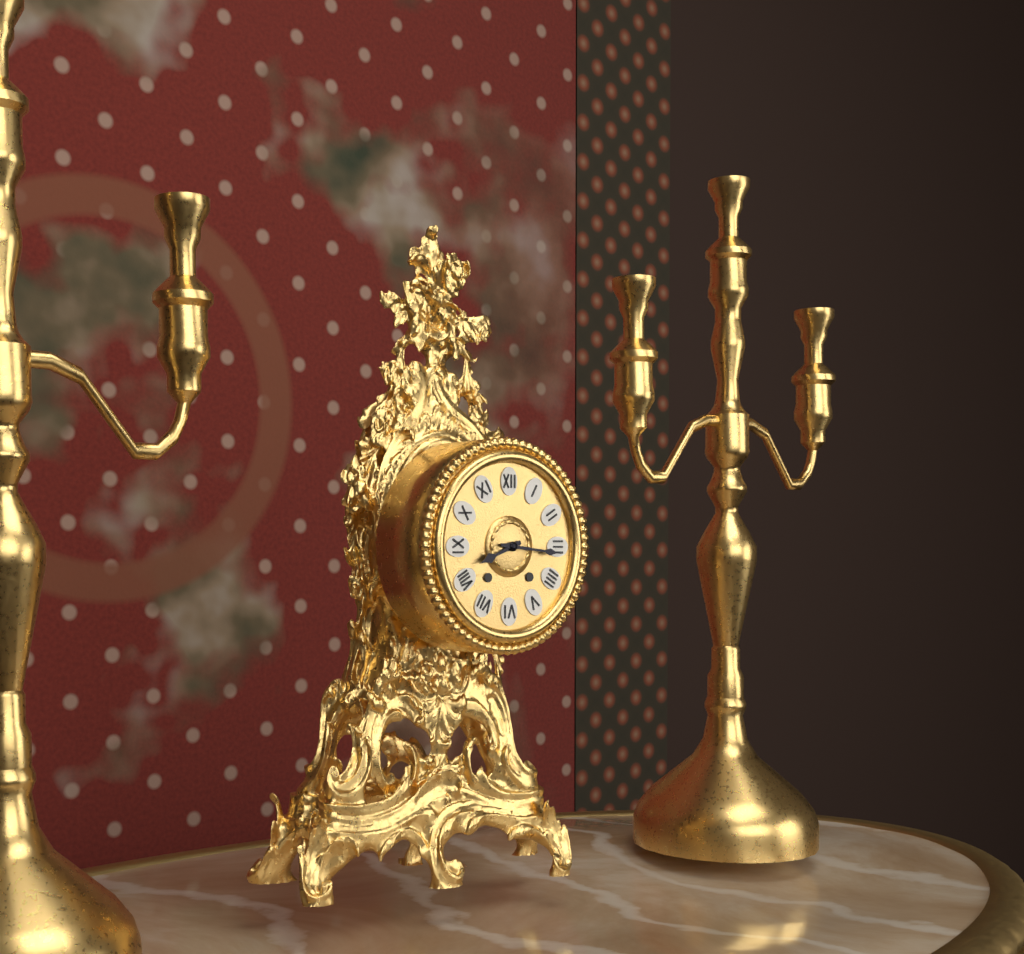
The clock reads 8:16
